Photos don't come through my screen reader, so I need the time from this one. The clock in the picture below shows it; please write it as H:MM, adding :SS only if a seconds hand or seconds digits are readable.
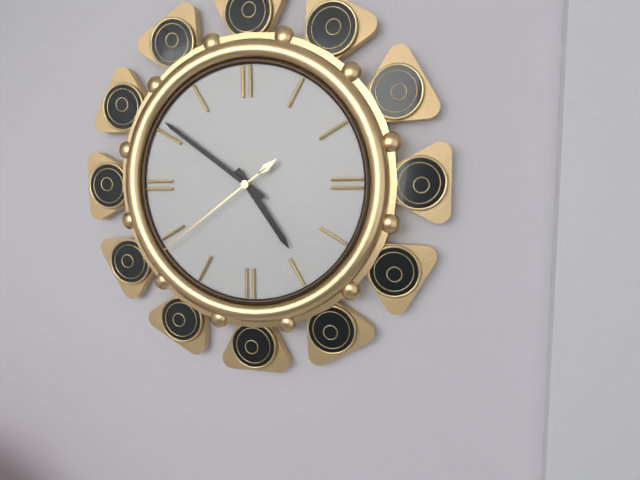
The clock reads 4:51:39
